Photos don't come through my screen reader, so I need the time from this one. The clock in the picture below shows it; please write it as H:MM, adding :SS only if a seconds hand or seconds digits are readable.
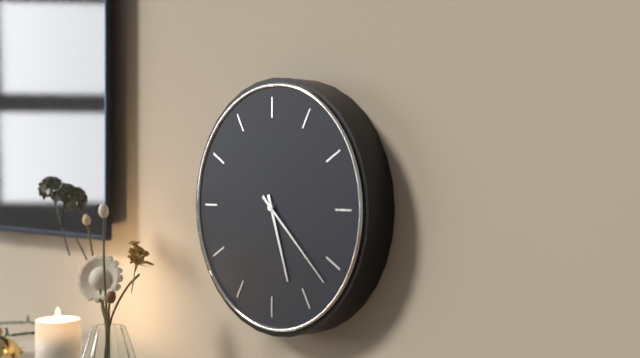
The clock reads 5:22
